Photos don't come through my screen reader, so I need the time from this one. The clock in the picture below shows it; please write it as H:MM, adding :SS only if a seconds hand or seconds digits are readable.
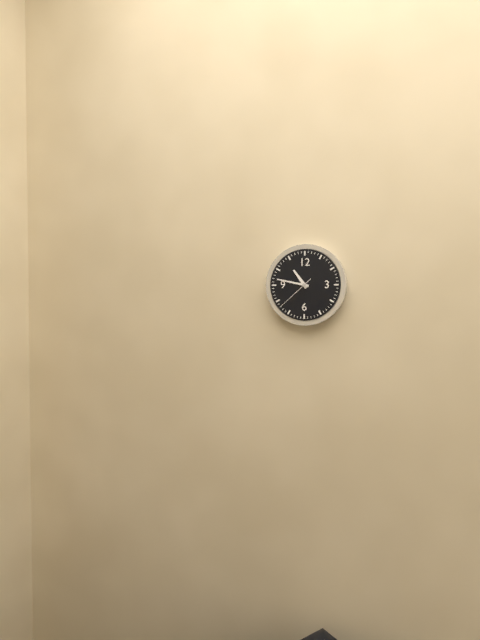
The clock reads 10:47
